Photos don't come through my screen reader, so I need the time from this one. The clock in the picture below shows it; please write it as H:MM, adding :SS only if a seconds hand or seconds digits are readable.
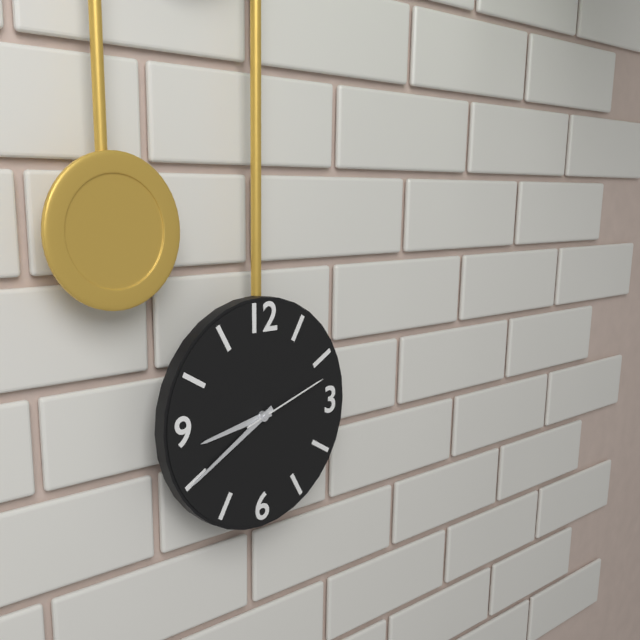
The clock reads 8:40:12
